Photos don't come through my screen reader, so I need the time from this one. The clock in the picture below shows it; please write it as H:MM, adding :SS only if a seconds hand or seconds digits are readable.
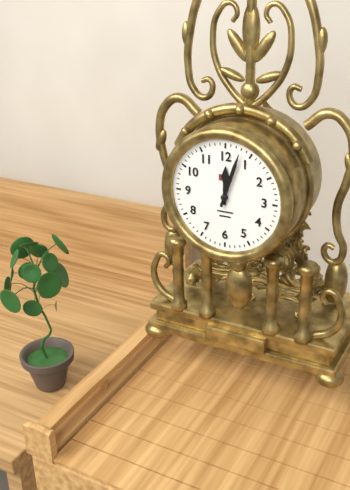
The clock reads 12:03
